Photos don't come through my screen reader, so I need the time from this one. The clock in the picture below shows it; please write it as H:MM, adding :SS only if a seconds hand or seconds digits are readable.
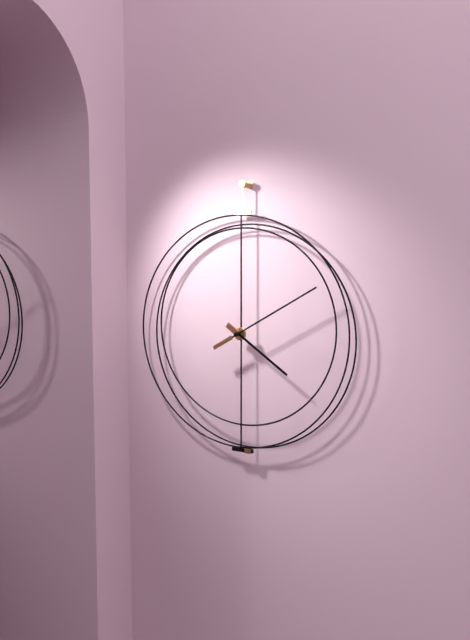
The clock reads 4:10
